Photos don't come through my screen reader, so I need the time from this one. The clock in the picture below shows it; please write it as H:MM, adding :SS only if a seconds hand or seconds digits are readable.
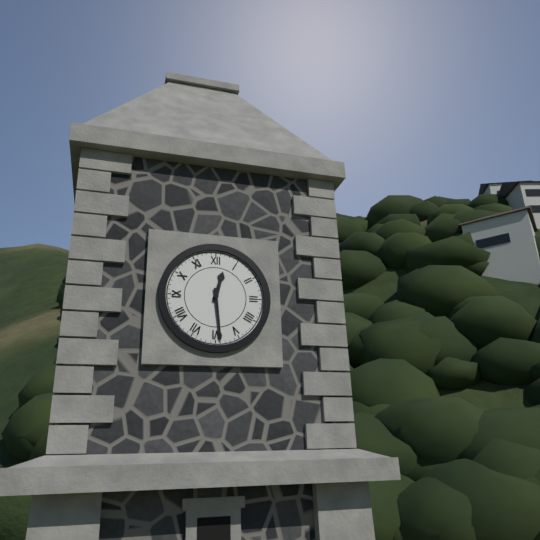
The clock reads 12:29
